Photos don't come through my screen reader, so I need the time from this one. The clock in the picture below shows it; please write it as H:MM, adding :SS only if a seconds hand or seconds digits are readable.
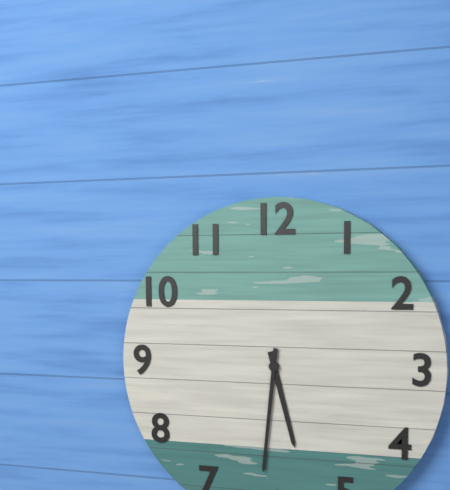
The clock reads 5:31
